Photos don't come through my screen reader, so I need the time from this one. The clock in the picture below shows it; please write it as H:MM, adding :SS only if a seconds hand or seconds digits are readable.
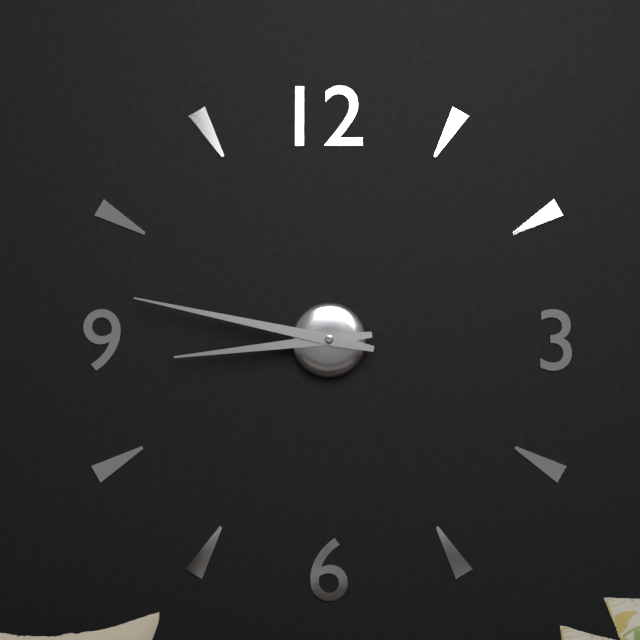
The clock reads 8:47
